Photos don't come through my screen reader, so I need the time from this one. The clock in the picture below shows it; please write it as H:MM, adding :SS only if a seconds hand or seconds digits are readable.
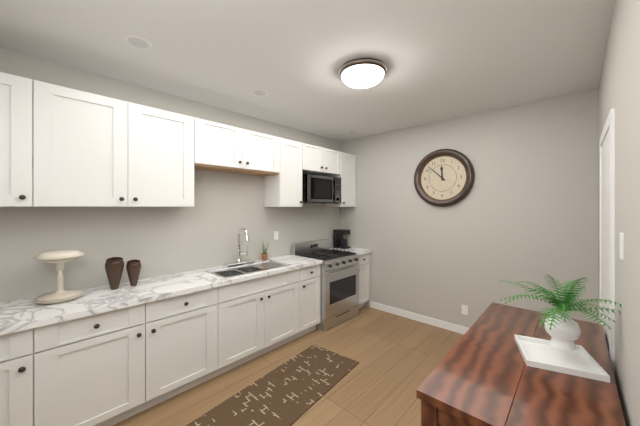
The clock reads 11:52
